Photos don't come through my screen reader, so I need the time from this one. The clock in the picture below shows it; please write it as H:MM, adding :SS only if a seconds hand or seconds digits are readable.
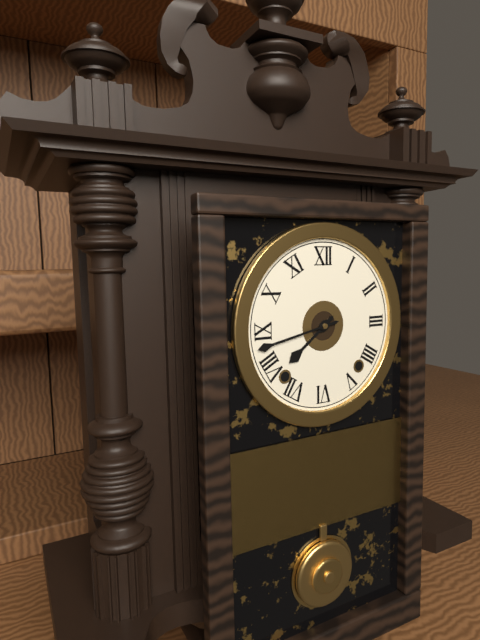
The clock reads 7:43
